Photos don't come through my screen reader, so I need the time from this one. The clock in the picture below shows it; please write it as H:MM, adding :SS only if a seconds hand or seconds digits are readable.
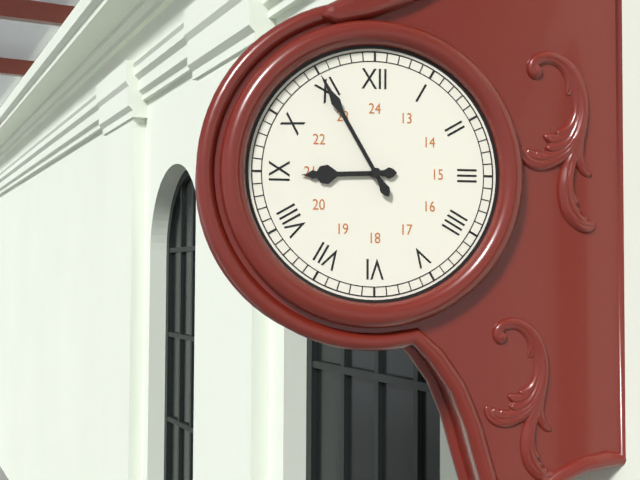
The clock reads 8:55
